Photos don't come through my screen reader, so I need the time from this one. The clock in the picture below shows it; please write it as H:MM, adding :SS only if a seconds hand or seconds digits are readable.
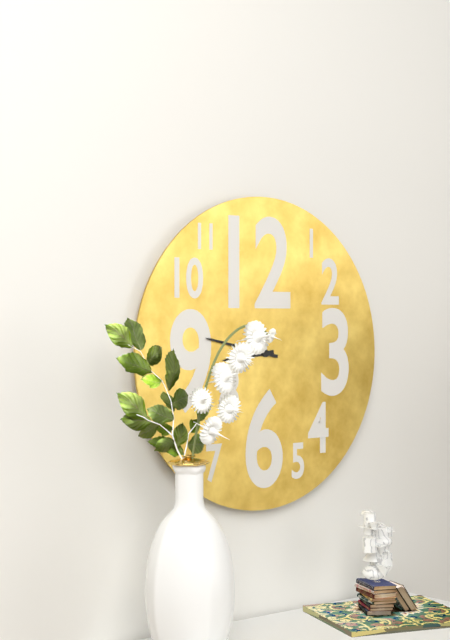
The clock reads 8:47
